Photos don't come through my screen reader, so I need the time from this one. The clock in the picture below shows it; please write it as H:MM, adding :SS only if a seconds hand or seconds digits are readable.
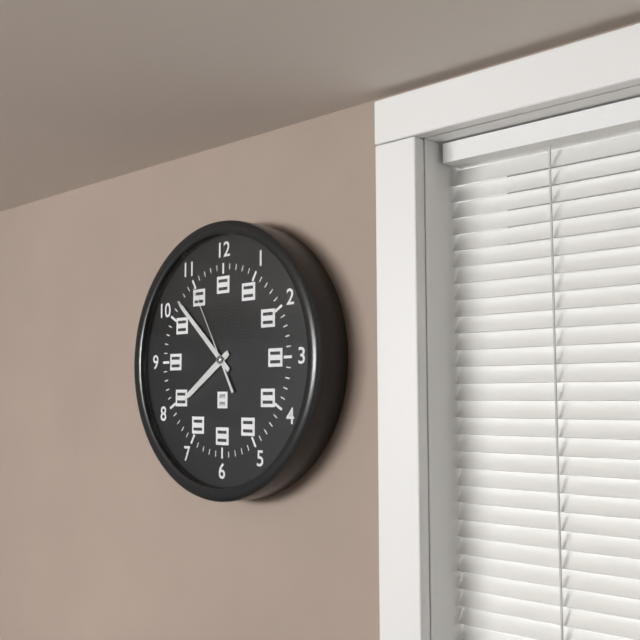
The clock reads 7:52:55
